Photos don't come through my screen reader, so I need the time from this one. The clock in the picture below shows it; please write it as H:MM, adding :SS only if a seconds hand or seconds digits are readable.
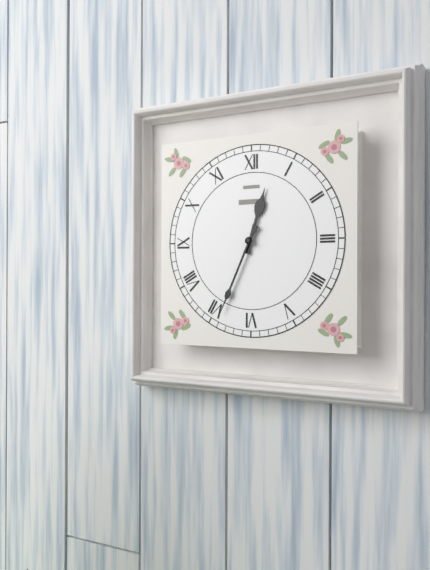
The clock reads 12:34
